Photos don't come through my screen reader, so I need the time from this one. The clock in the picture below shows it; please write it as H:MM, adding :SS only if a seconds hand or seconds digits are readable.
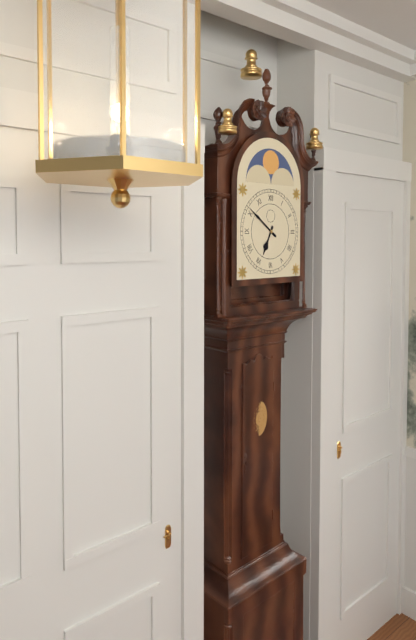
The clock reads 6:51
